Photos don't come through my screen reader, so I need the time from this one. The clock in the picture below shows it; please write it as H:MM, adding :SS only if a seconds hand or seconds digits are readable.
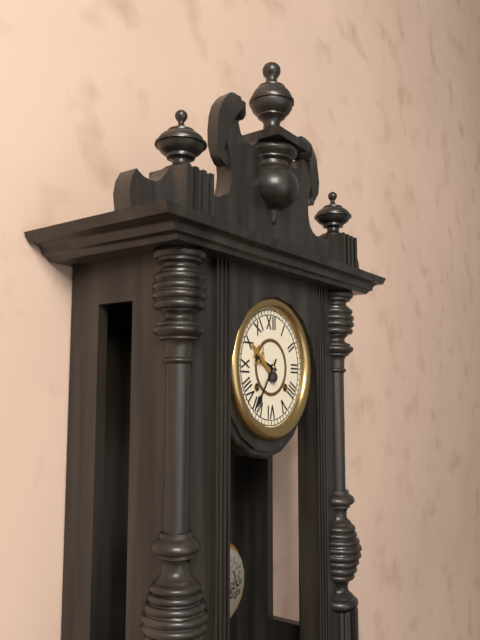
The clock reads 9:36
